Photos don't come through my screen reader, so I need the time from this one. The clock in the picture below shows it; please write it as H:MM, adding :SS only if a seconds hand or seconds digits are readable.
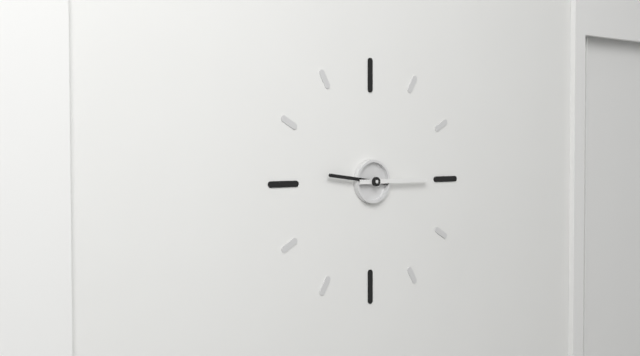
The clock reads 9:15
